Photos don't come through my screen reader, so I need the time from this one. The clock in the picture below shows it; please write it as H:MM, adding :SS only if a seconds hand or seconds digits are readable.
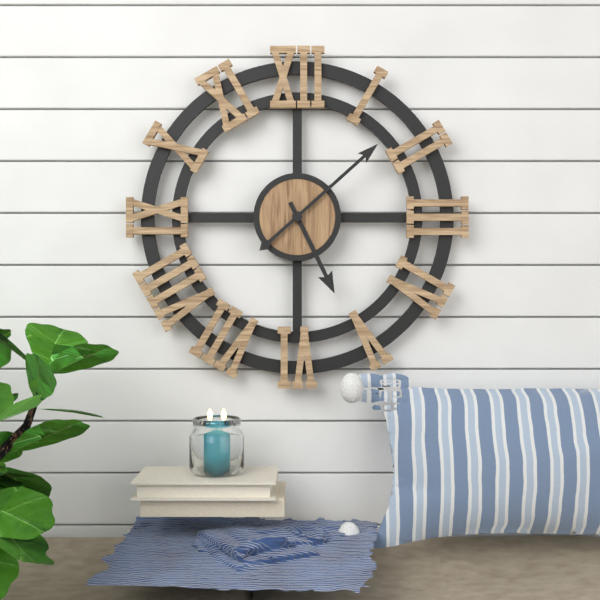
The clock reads 5:08
